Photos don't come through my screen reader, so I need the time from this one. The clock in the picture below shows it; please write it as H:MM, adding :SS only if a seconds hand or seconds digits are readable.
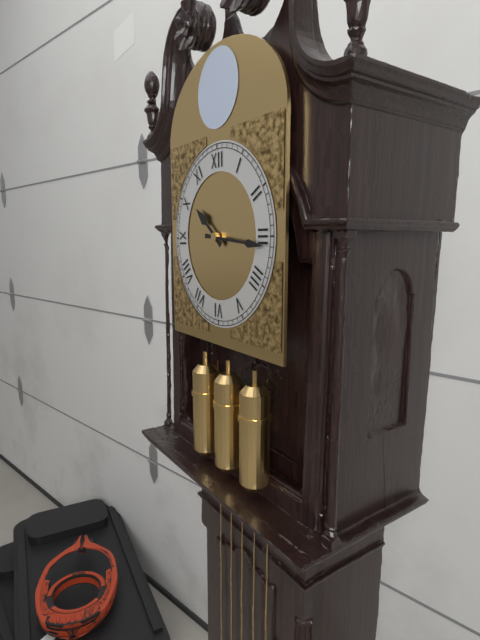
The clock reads 10:16
